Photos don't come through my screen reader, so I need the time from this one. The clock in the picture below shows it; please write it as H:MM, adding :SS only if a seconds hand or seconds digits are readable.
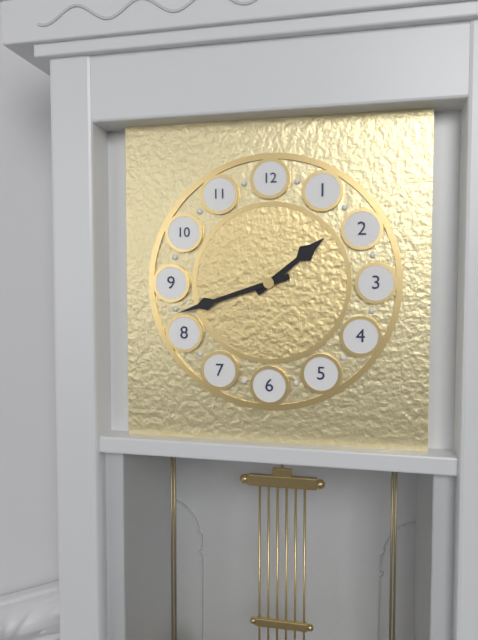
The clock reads 1:42
